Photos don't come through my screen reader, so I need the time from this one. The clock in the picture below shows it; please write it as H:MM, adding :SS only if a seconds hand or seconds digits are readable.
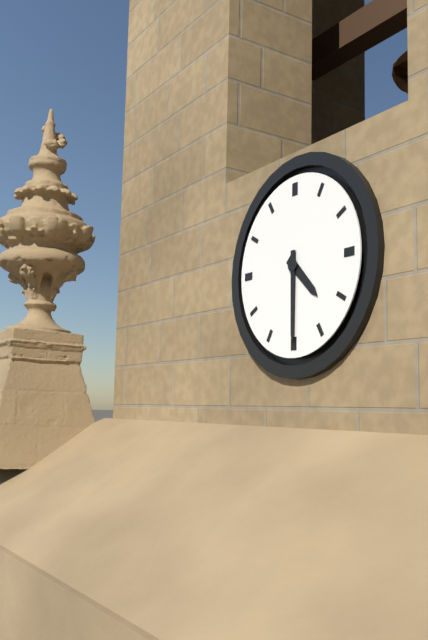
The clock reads 4:30
